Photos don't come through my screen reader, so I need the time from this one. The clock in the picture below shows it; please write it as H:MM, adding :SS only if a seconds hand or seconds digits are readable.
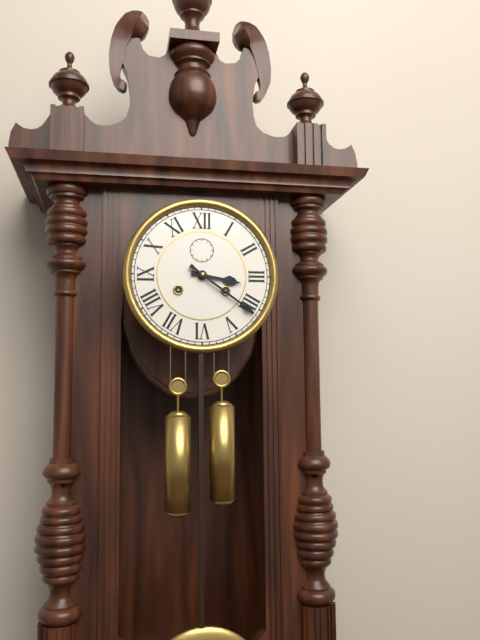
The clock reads 3:21
